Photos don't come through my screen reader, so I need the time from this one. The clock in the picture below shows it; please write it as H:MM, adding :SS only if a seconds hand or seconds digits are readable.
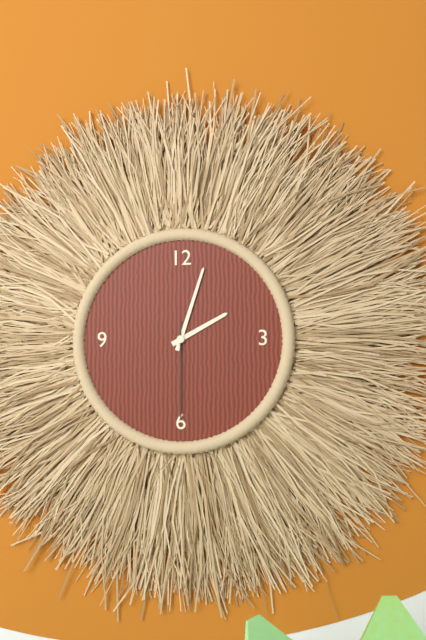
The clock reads 2:03:30
